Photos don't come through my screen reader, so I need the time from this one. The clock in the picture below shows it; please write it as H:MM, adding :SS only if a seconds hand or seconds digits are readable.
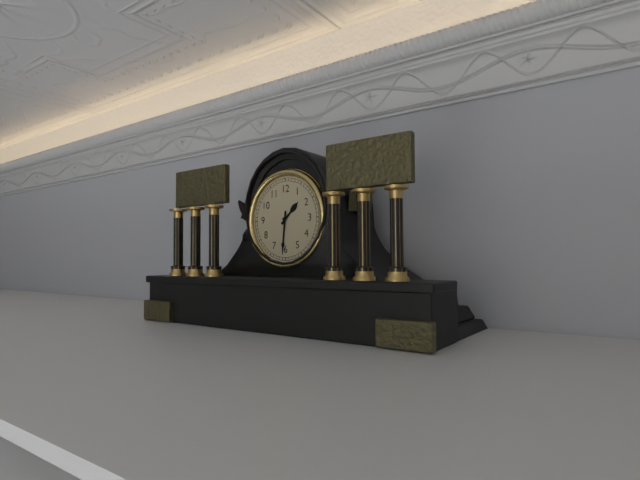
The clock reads 1:31
